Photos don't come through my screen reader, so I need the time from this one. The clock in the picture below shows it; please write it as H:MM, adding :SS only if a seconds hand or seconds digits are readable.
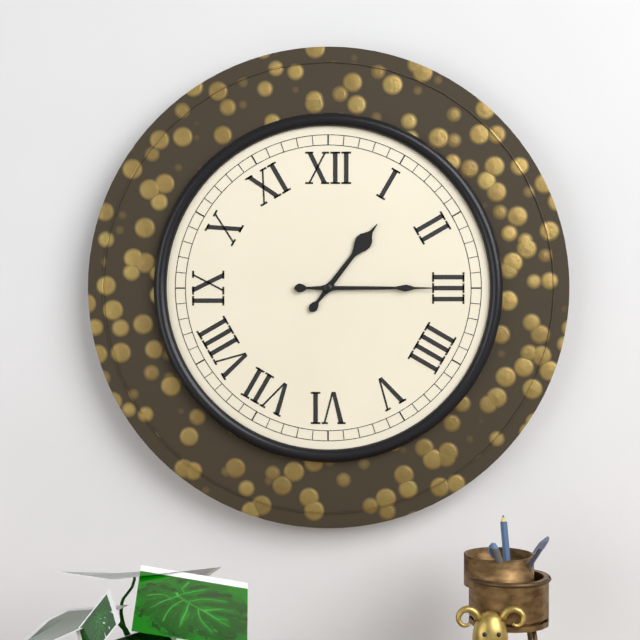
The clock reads 1:15
